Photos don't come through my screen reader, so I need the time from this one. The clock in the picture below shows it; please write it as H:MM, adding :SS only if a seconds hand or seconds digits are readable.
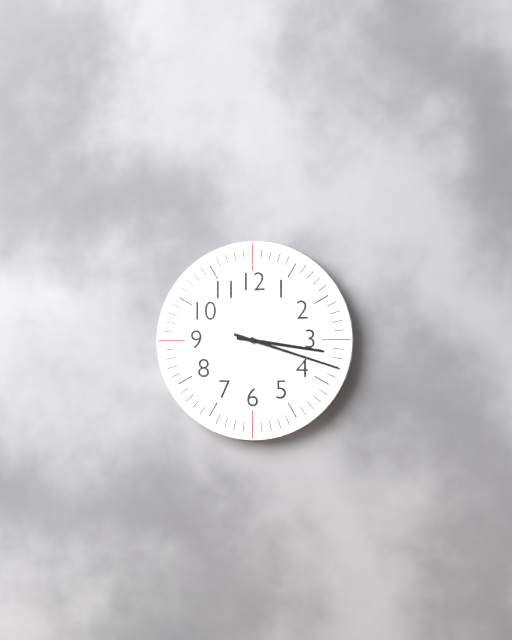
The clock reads 3:18
